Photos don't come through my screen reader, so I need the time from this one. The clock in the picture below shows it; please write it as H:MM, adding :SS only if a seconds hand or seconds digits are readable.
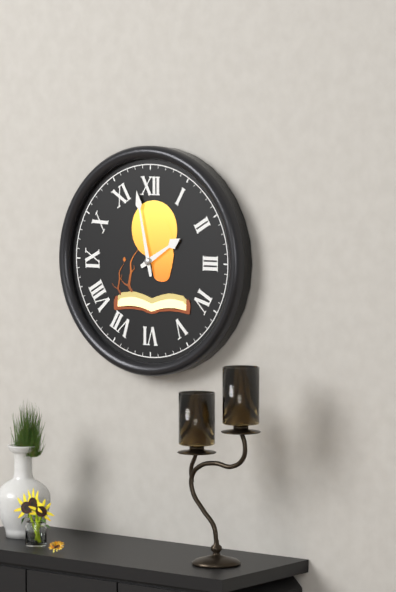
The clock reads 1:58
